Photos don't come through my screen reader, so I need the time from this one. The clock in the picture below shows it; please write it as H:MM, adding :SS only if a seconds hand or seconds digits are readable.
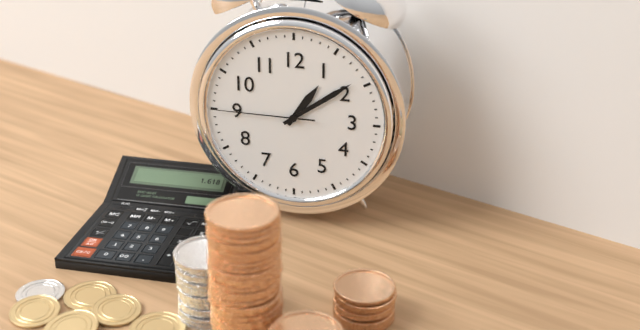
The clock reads 1:09:45
